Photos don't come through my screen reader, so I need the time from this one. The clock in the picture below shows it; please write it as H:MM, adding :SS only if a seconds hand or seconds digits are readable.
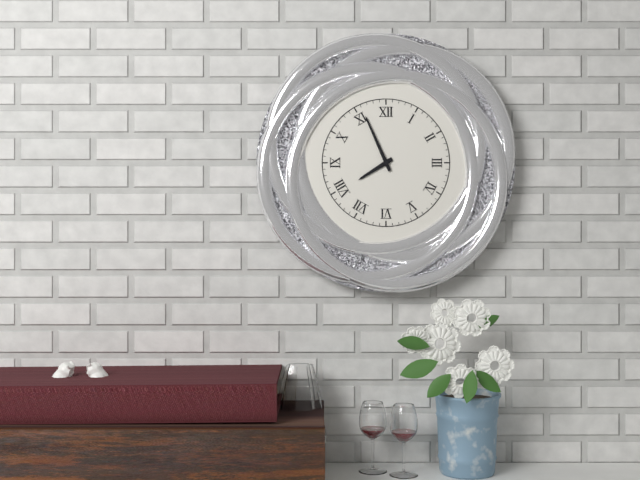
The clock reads 7:56
